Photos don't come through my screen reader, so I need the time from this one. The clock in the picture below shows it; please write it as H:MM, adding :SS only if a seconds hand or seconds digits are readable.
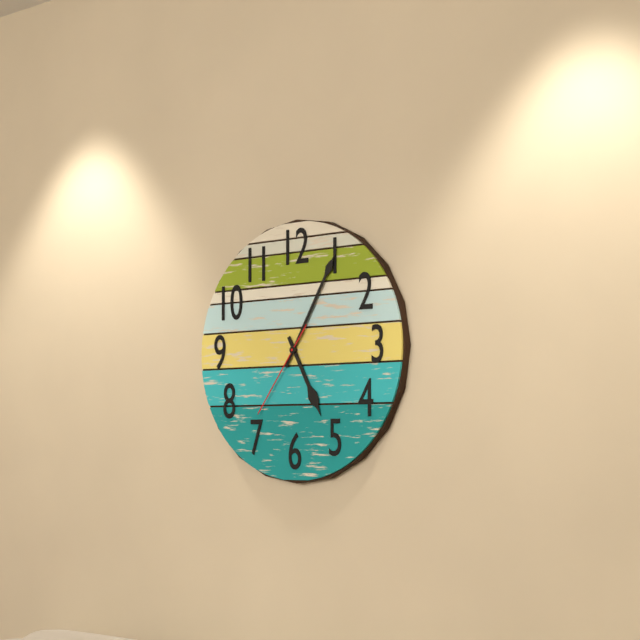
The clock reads 5:05:36
